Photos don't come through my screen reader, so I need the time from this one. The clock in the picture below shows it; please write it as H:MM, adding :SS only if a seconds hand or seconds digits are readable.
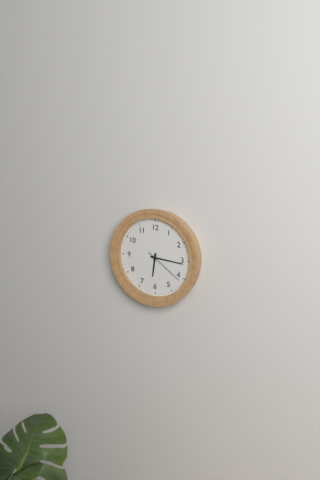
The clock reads 6:16
